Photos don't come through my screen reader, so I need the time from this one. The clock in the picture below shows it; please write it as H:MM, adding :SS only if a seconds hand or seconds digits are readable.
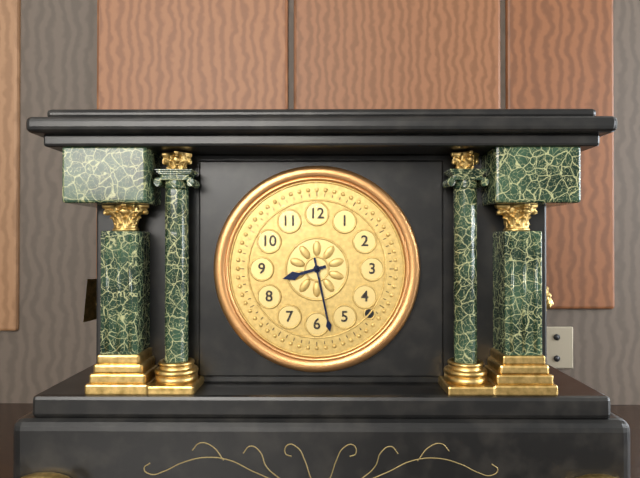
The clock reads 8:28
